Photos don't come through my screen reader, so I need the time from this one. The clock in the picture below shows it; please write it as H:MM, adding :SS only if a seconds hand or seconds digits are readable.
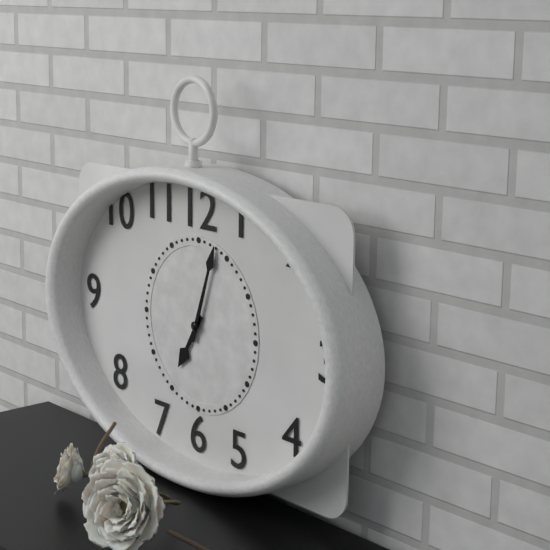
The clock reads 7:03
